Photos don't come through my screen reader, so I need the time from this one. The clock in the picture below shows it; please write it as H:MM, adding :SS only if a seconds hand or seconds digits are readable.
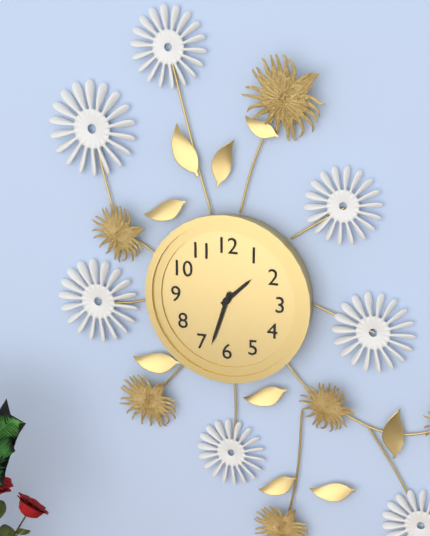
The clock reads 1:33
